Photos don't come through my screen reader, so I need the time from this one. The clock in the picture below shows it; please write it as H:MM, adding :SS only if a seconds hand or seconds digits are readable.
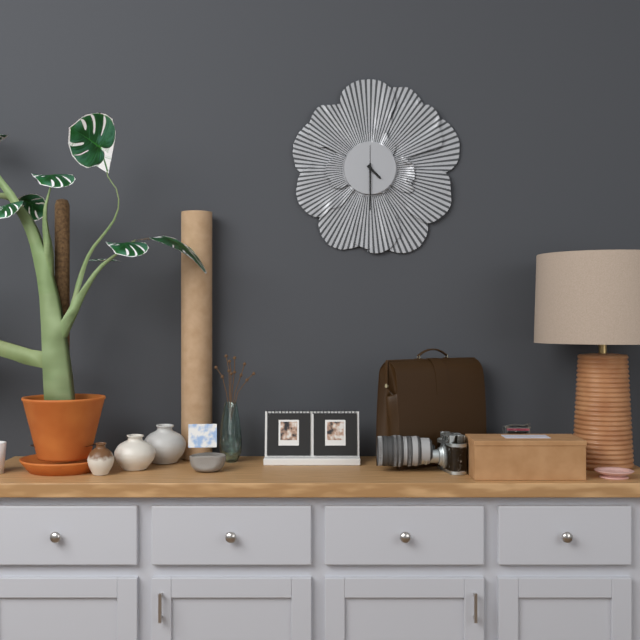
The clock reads 4:30
